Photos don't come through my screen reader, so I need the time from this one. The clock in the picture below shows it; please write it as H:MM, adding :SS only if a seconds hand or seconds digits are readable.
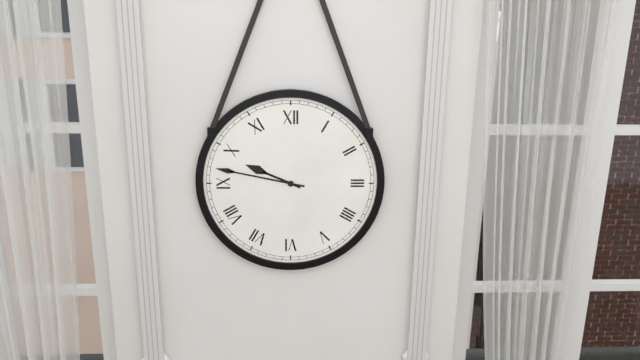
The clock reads 9:47
